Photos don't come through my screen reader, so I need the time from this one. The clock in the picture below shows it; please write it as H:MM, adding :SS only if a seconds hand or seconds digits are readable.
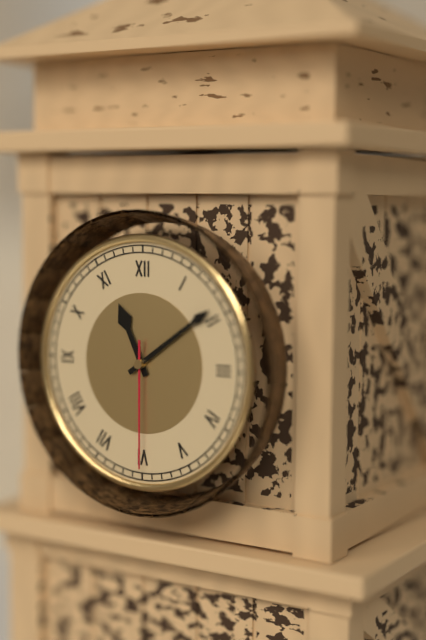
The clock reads 11:09:30
